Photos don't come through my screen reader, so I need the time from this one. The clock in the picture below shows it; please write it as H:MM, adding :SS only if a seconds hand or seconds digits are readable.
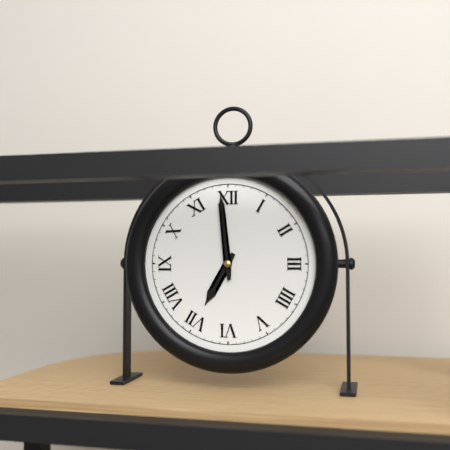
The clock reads 6:59
